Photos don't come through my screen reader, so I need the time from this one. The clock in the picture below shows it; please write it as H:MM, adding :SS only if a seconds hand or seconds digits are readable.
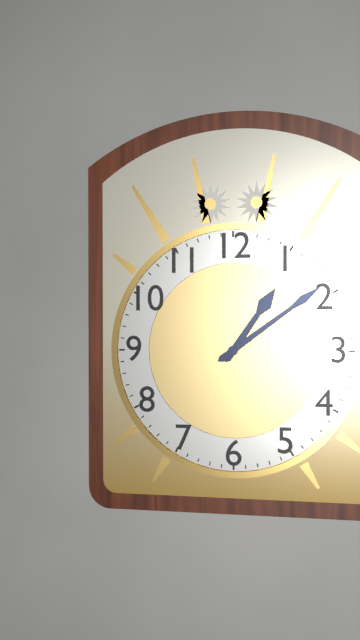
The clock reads 1:09
